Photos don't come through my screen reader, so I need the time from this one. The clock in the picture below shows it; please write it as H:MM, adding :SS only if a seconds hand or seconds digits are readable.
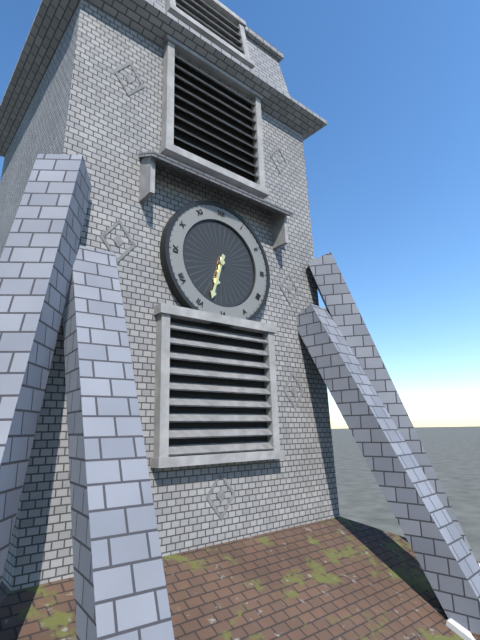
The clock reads 6:33
